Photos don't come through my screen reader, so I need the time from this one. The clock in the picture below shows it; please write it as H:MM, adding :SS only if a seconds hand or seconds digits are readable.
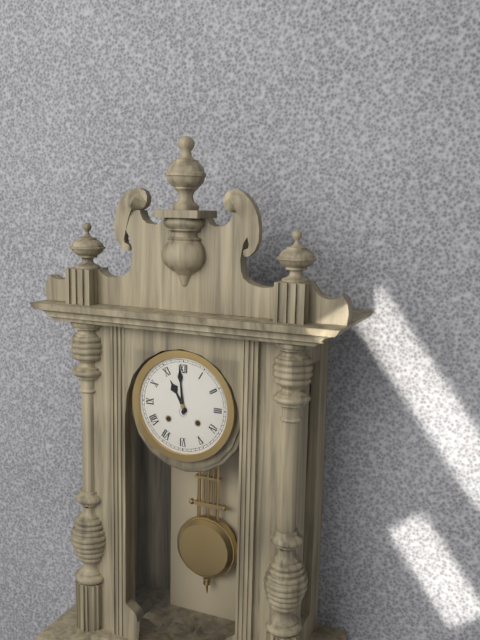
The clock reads 10:59
